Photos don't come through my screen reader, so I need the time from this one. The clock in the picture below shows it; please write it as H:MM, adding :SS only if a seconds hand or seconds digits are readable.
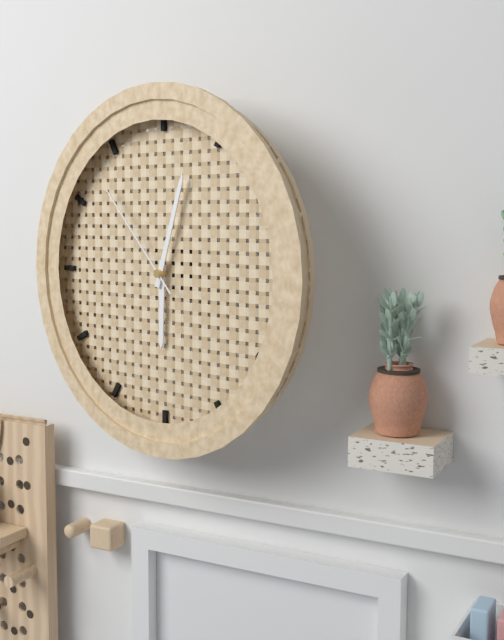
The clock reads 6:03:53
